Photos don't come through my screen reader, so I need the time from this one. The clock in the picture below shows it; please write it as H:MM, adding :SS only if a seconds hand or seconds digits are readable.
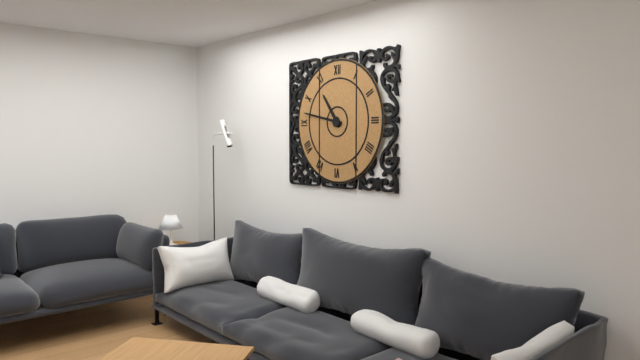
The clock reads 10:47
